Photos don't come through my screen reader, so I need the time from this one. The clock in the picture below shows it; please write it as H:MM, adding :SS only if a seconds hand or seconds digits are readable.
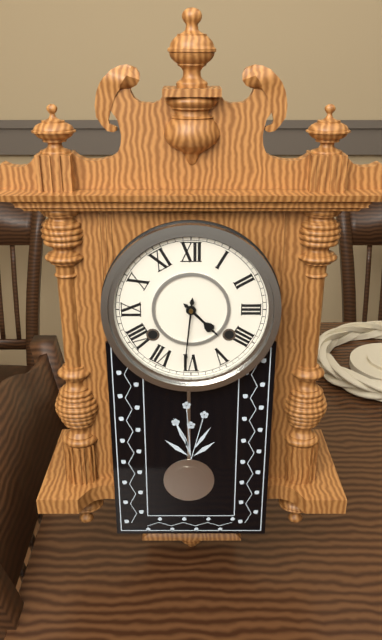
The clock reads 4:31
